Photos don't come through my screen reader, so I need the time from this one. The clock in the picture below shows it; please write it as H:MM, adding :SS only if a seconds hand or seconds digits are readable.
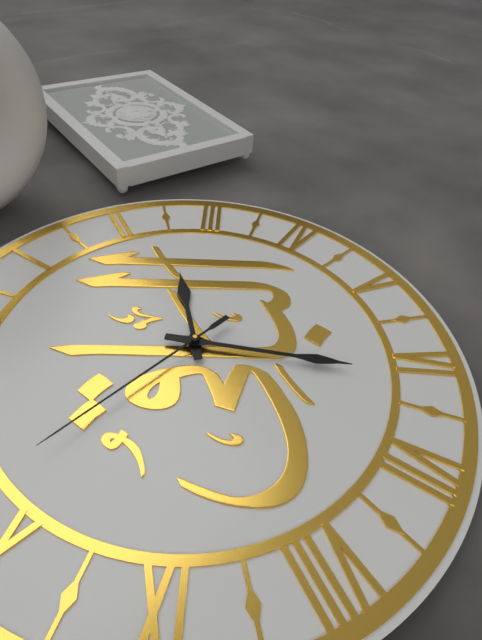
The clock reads 2:31:52
